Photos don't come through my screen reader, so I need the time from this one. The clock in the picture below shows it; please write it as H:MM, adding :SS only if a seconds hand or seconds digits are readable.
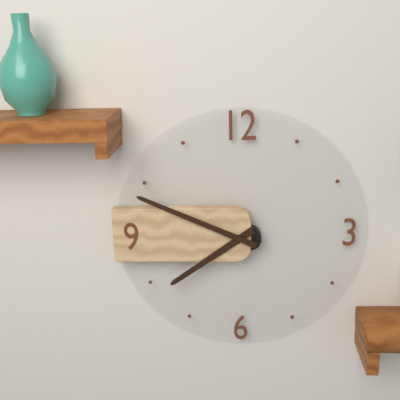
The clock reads 7:49
